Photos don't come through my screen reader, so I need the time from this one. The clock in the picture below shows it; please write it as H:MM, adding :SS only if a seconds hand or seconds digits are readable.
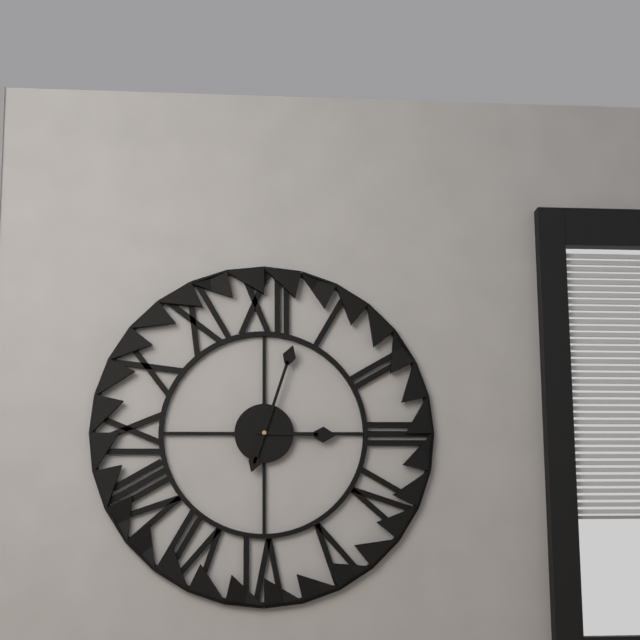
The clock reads 3:03
